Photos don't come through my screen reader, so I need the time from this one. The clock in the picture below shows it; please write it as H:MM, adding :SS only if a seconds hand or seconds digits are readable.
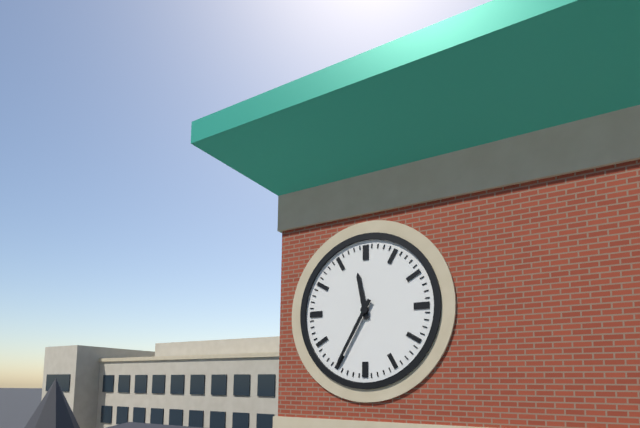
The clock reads 11:35
